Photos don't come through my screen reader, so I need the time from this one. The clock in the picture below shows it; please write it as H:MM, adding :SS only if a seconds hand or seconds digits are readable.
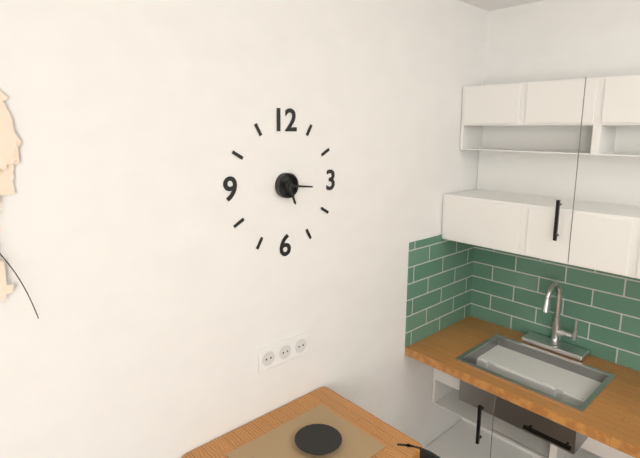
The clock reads 5:16
